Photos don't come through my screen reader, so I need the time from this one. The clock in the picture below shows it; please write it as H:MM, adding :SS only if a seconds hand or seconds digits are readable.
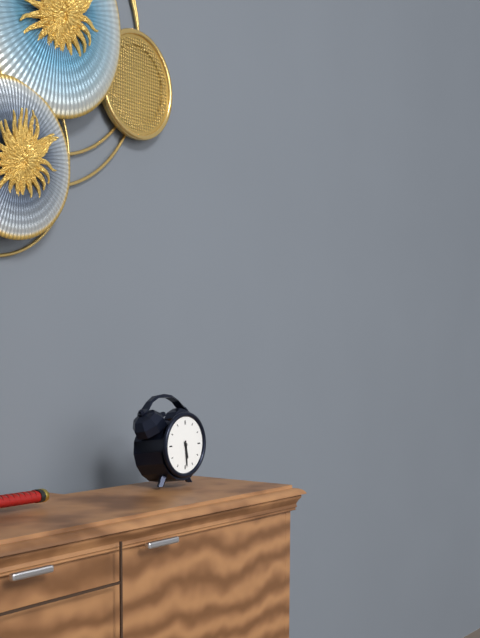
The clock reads 5:29
